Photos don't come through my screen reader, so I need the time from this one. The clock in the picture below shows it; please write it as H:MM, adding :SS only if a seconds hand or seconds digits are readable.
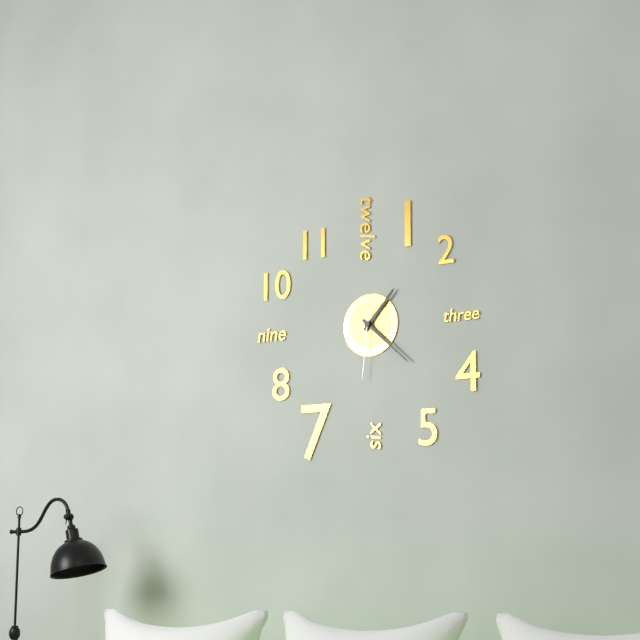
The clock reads 1:22:31
